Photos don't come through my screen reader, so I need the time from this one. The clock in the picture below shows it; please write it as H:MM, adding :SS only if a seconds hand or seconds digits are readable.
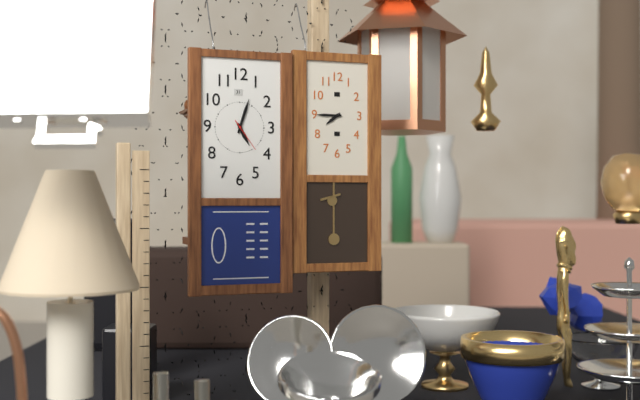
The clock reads 5:03
